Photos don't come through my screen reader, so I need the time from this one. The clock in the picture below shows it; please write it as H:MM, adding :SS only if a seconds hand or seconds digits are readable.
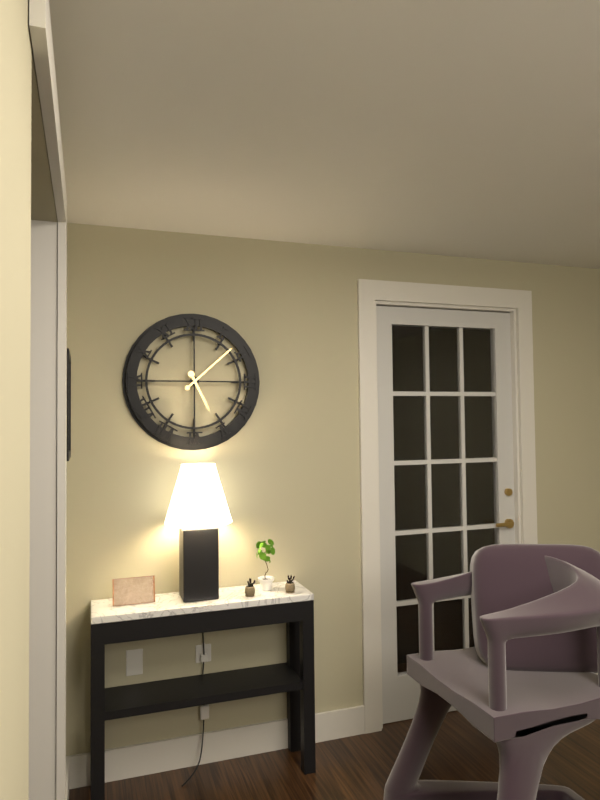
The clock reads 5:08
